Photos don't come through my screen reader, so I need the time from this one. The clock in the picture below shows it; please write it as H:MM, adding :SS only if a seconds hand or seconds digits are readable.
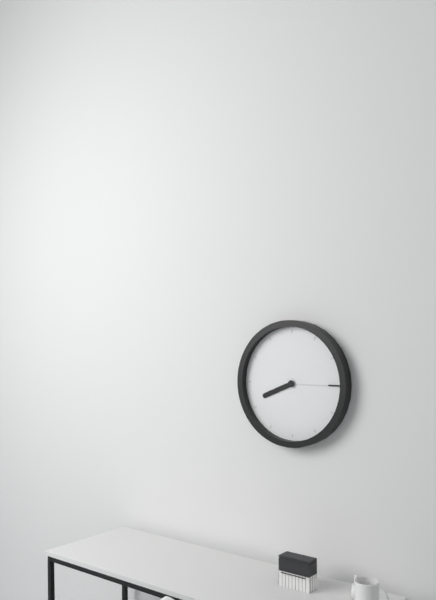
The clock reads 8:15
